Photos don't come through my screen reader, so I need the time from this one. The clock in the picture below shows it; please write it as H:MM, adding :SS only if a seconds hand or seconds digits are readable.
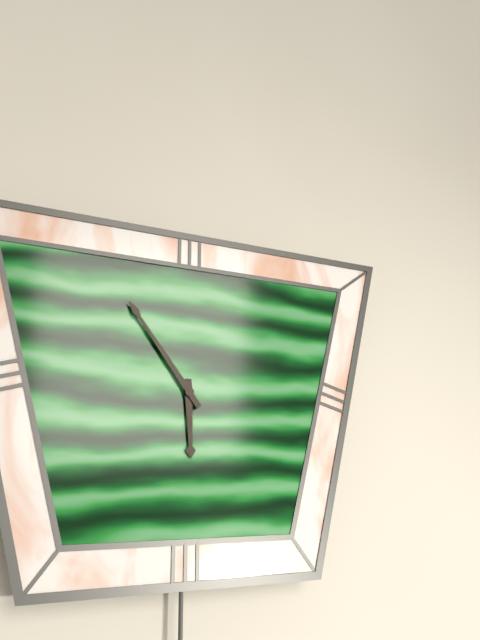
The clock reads 5:54
